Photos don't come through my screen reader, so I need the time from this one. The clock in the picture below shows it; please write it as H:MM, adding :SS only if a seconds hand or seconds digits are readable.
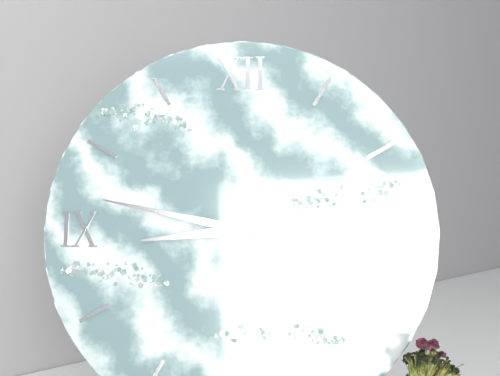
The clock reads 8:47
